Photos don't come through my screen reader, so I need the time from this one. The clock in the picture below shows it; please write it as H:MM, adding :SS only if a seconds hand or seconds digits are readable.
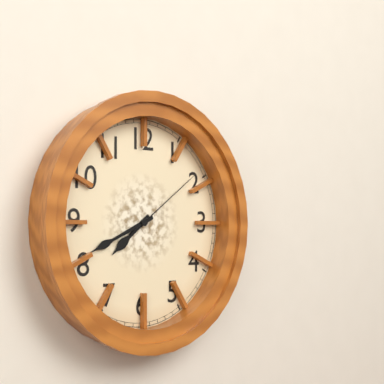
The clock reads 7:41:09
